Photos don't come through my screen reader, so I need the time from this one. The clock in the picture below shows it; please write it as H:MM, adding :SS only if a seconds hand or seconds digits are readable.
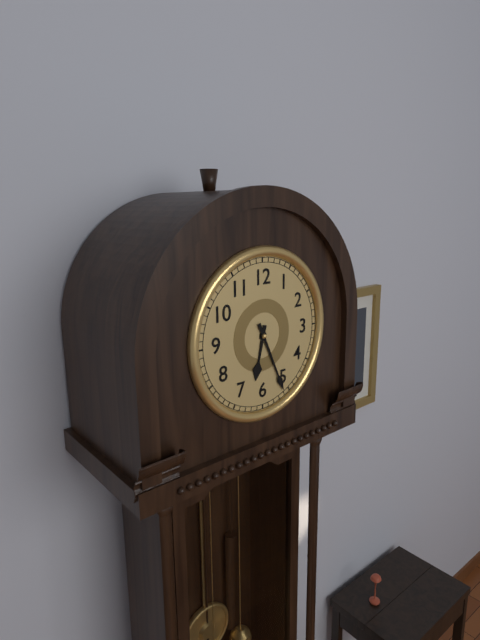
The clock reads 6:26
